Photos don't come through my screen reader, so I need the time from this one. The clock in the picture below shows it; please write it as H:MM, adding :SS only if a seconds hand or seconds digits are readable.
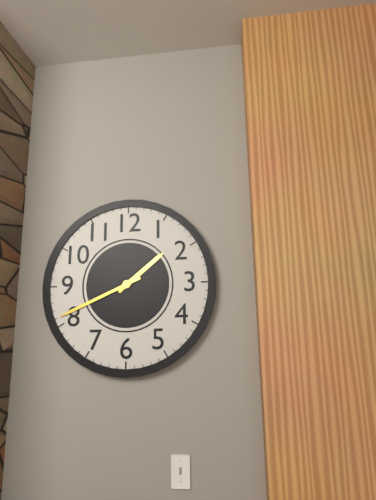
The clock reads 1:41
